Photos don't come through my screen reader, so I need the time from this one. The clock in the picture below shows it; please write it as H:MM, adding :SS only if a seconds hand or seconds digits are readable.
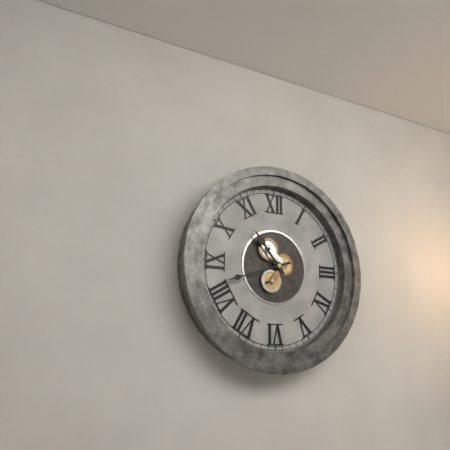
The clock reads 10:42
